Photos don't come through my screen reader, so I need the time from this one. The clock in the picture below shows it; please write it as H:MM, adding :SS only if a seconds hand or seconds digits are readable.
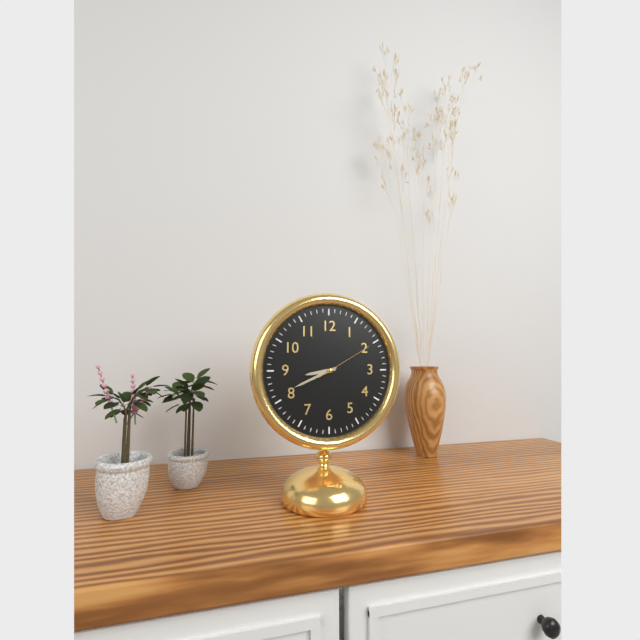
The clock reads 8:41:10
